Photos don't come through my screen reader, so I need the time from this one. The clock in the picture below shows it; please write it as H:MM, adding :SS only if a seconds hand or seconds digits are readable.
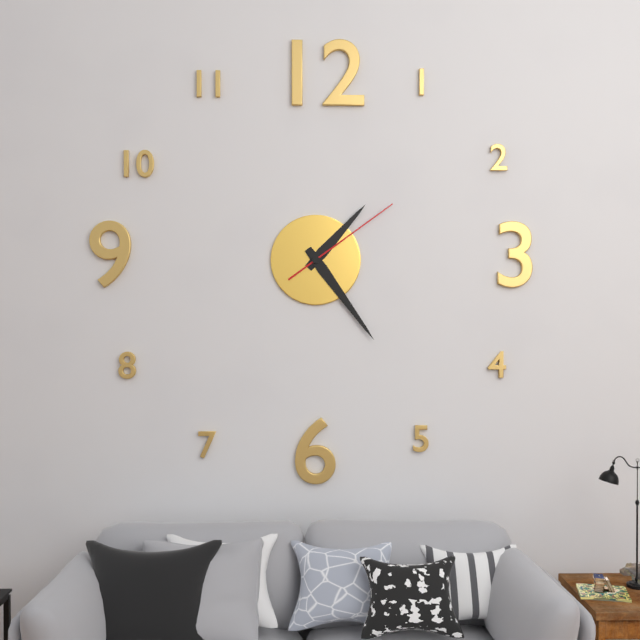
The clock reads 1:24:09
